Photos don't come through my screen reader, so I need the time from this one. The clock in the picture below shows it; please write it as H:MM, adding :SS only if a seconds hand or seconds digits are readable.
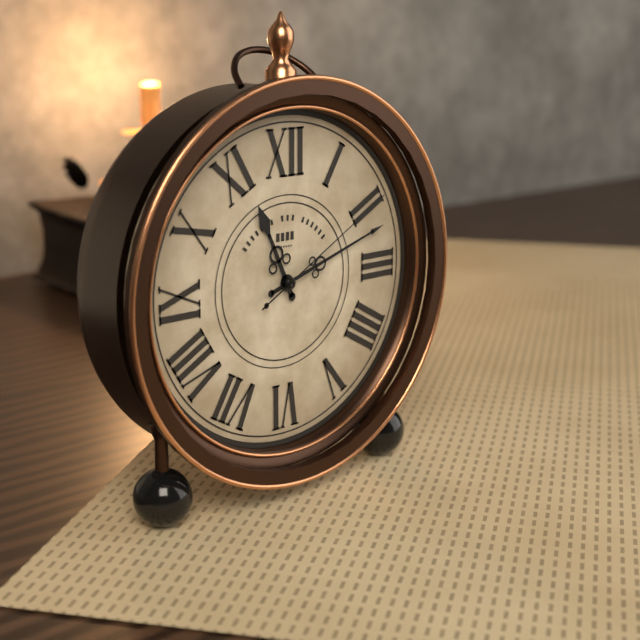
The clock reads 11:12:10
